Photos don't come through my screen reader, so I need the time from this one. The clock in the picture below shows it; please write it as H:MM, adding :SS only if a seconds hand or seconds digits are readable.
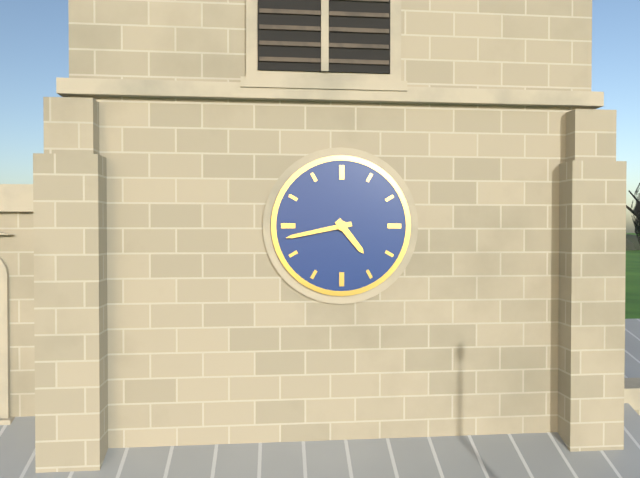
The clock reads 4:43
